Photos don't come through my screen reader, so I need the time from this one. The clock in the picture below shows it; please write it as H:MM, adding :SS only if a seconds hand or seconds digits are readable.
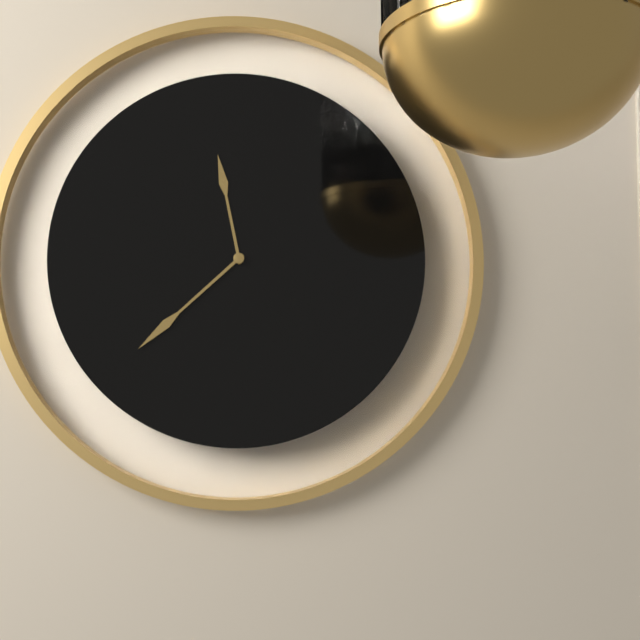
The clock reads 11:38
